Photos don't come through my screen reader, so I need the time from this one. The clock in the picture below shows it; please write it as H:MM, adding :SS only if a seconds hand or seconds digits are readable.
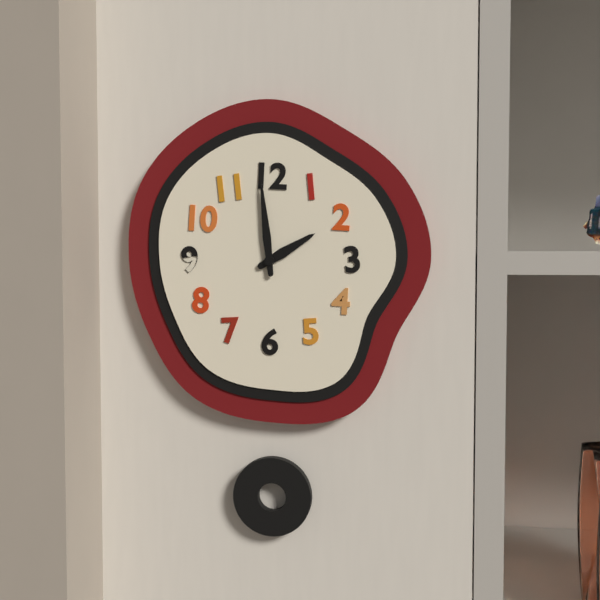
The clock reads 1:59
